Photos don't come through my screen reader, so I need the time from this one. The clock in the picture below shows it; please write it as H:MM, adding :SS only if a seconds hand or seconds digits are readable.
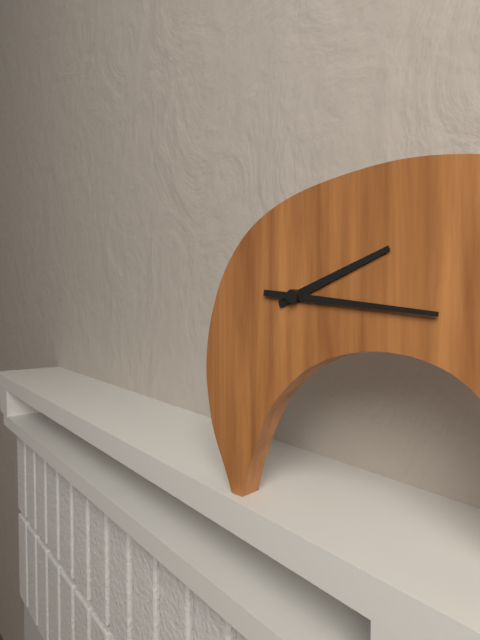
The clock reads 2:16
